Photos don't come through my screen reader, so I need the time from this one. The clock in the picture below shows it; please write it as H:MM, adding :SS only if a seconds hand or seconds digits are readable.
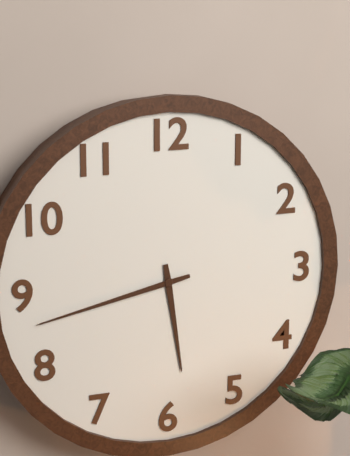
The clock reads 5:43
